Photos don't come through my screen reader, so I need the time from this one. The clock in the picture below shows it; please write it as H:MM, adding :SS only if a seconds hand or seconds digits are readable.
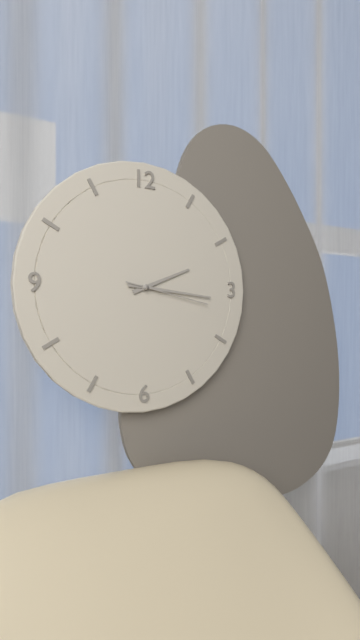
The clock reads 2:16:17
